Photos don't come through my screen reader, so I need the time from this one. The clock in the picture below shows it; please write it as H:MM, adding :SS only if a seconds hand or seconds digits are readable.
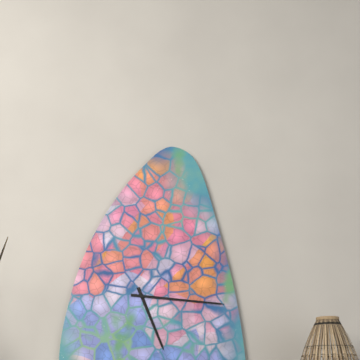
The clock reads 5:16
